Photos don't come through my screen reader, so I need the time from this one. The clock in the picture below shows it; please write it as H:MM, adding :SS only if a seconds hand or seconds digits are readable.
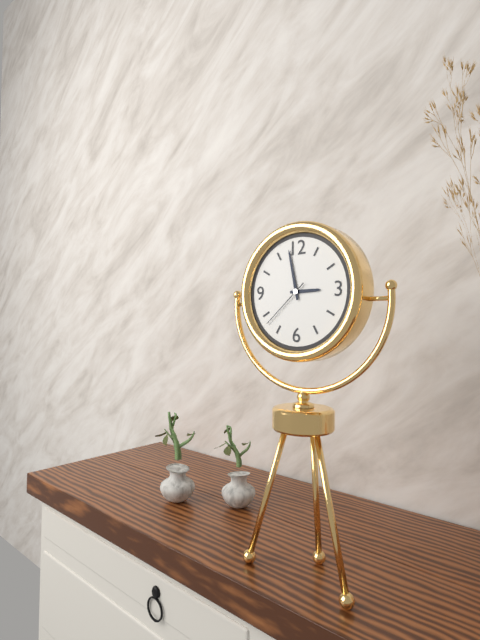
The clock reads 2:58:38
